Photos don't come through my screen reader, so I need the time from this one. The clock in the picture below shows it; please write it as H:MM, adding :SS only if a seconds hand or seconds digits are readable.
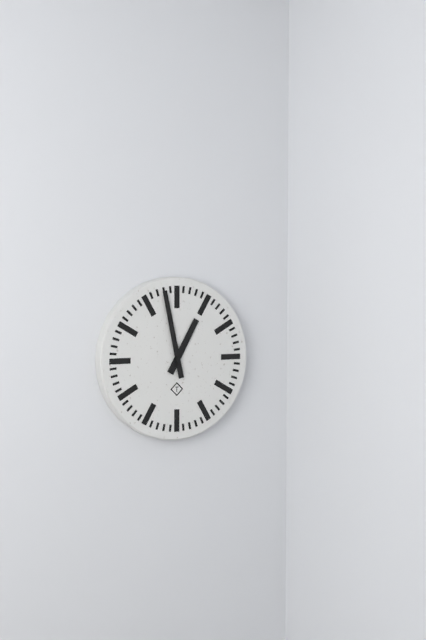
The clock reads 12:58
